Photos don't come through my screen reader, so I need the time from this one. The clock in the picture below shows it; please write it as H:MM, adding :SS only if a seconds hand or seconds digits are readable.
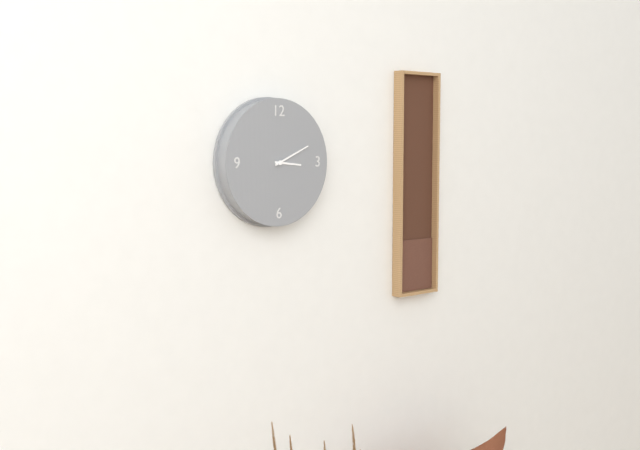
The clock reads 3:11
